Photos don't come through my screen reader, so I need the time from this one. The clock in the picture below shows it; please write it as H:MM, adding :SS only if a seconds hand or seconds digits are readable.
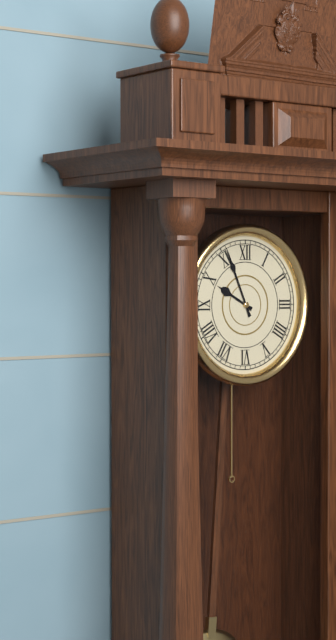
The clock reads 9:56
